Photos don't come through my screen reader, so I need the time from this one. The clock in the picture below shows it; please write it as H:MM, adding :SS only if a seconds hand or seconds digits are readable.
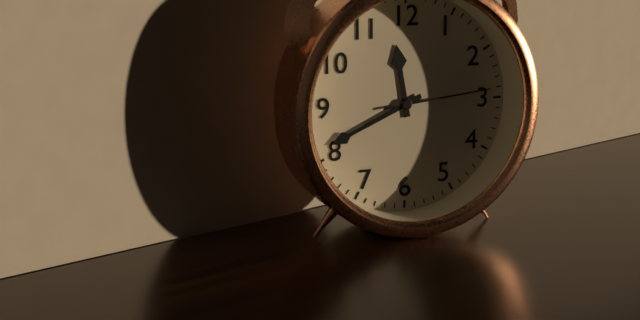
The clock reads 11:41:14
